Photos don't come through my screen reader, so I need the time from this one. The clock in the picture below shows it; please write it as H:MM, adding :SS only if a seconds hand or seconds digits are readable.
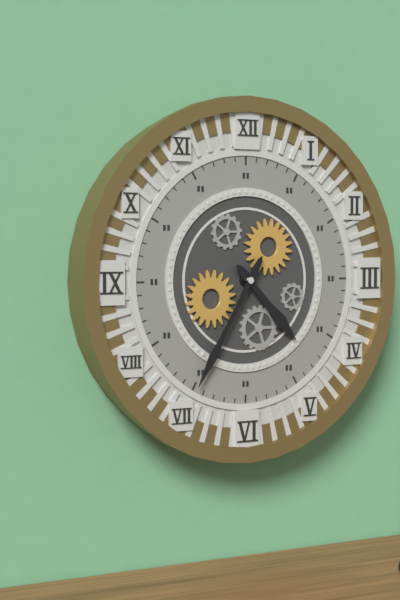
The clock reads 4:35
